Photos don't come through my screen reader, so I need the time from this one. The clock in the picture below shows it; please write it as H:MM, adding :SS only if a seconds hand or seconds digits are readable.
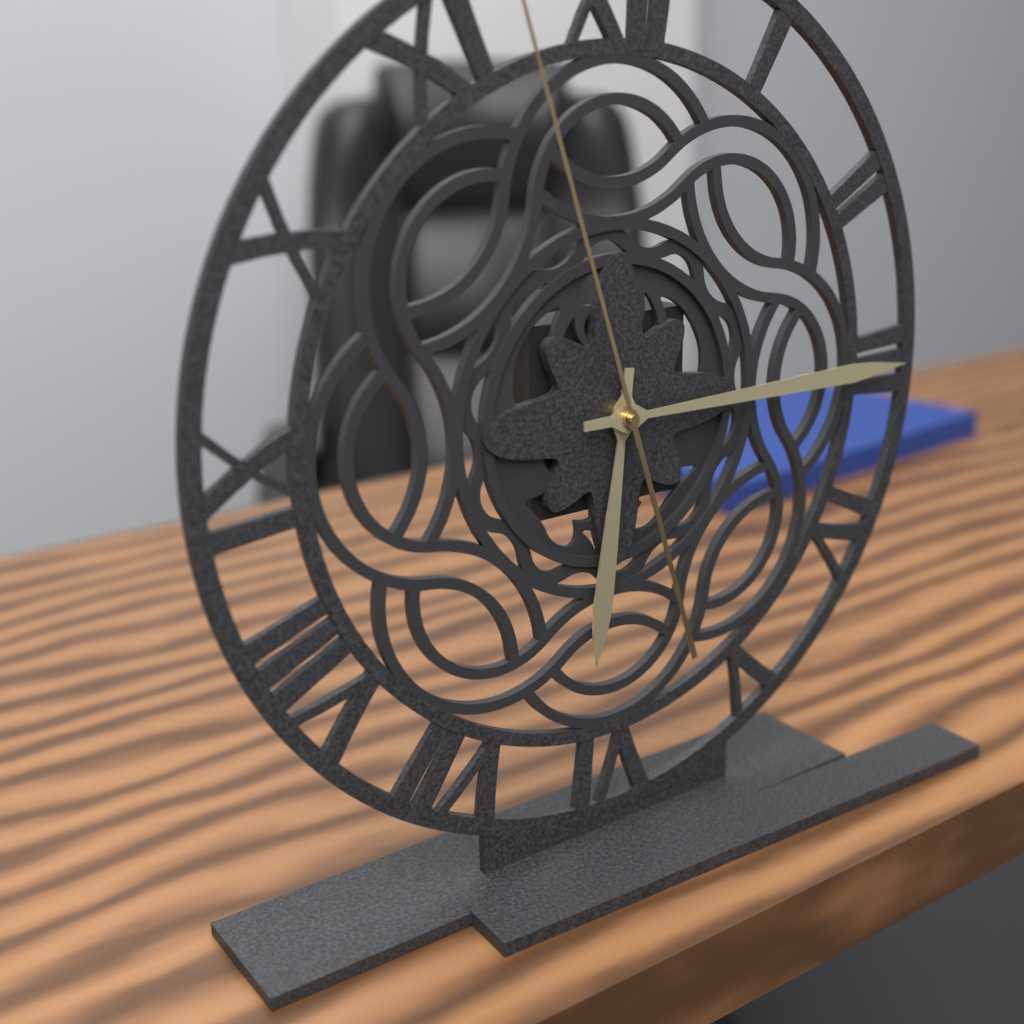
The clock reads 6:15
